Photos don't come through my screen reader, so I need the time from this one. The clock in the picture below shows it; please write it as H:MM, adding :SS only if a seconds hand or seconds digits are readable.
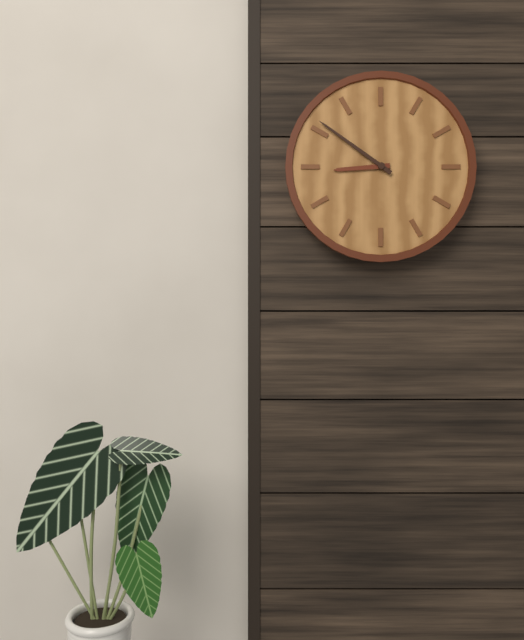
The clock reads 8:51
